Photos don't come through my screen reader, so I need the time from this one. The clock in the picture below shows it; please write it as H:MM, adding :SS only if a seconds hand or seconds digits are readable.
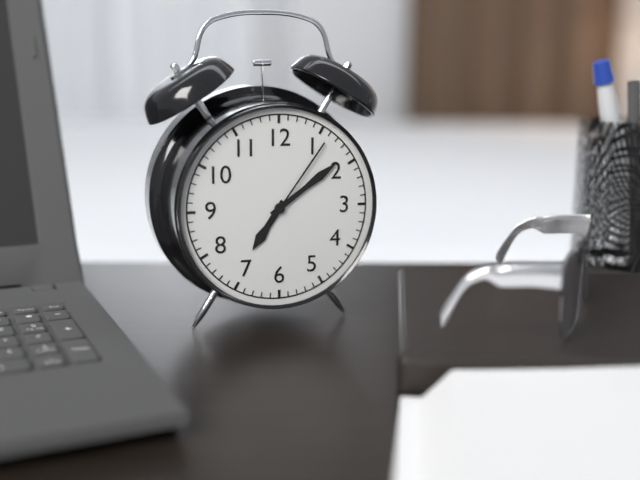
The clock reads 7:09:06
